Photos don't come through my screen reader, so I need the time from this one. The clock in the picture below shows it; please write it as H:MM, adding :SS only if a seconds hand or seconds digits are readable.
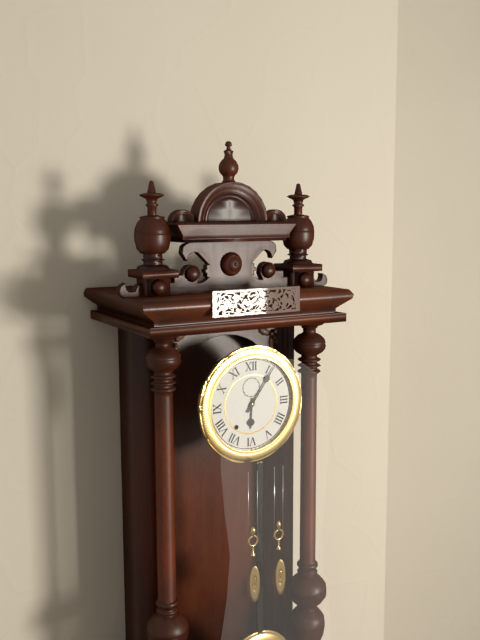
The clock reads 6:06
